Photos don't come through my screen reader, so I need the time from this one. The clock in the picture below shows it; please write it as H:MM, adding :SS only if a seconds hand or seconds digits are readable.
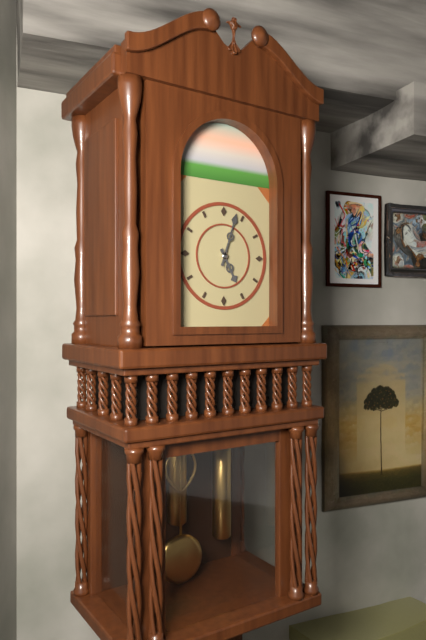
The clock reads 5:03
